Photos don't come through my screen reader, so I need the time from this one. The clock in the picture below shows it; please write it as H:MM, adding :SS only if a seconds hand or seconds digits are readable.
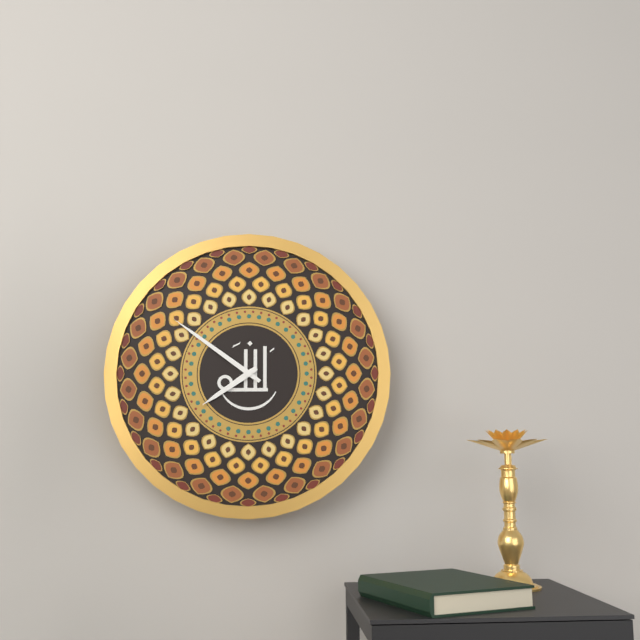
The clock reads 7:51
